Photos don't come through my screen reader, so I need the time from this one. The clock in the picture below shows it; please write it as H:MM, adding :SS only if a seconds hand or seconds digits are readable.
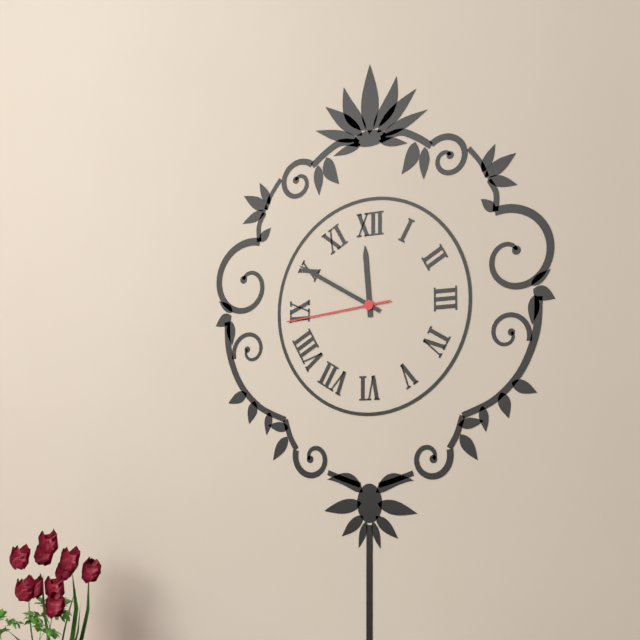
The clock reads 11:50:44
